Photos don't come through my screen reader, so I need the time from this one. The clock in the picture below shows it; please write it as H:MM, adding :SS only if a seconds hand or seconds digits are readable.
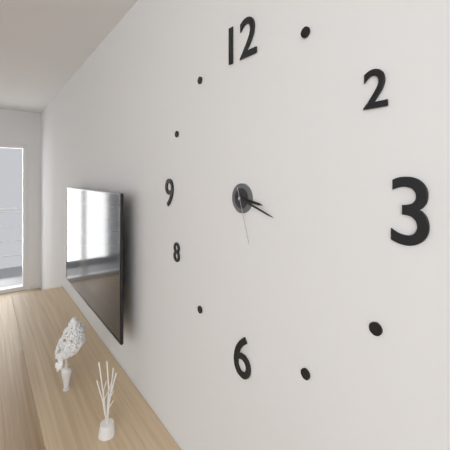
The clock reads 3:18:27
